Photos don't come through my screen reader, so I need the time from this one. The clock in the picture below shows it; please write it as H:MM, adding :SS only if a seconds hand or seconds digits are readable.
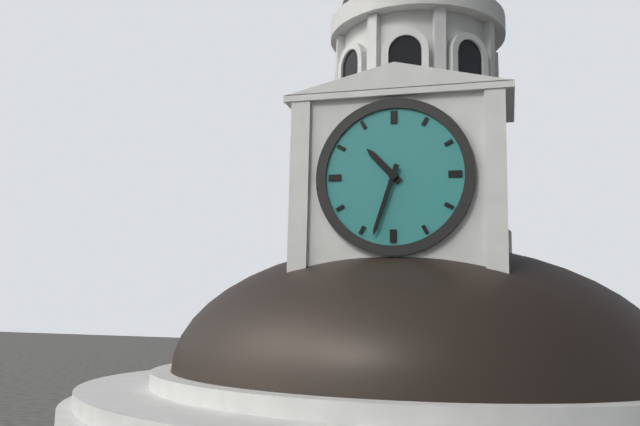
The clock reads 10:33
